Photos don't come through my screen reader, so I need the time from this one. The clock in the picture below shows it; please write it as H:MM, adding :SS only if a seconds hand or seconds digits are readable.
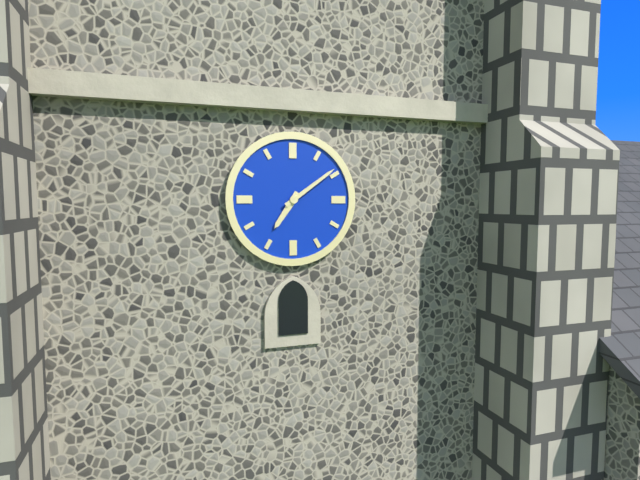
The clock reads 7:09
